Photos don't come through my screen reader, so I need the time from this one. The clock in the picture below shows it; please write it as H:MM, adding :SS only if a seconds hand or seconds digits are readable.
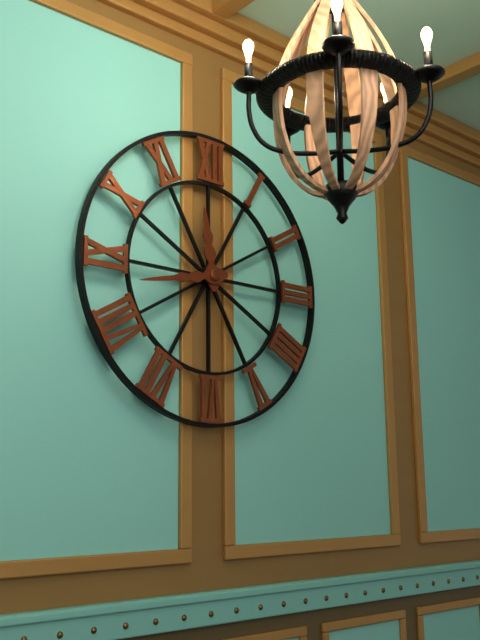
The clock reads 11:43
